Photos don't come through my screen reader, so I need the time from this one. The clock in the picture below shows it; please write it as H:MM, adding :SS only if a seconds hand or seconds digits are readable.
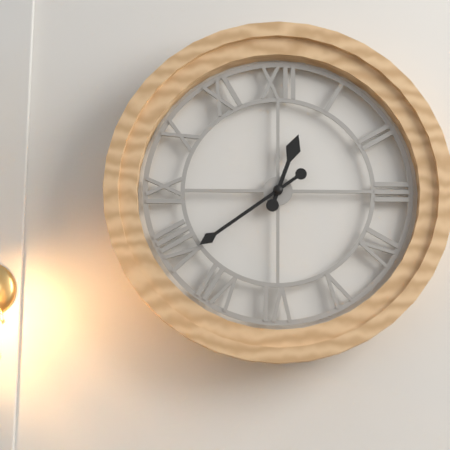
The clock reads 12:39
